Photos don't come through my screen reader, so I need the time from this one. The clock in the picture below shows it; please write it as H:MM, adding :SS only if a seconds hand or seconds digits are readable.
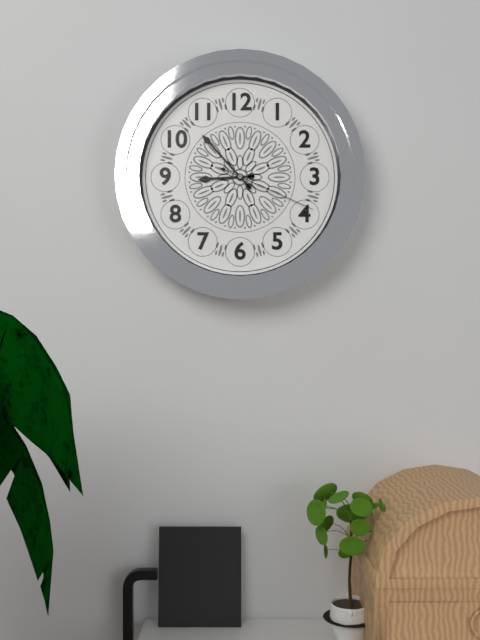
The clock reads 8:53:19
